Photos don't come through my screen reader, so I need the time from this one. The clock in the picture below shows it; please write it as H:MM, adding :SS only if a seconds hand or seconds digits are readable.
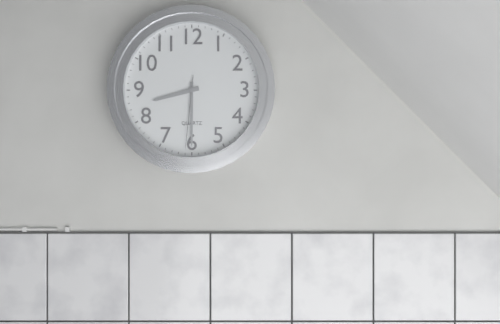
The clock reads 8:30:31
